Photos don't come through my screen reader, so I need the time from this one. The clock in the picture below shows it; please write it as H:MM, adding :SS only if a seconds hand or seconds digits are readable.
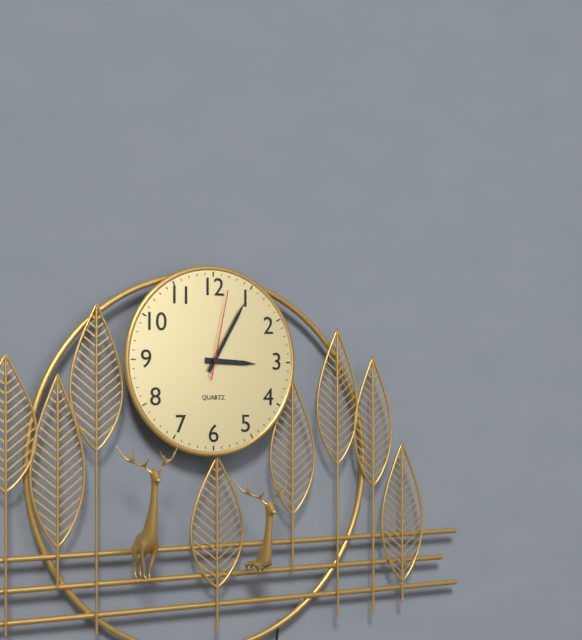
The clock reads 3:05:02
